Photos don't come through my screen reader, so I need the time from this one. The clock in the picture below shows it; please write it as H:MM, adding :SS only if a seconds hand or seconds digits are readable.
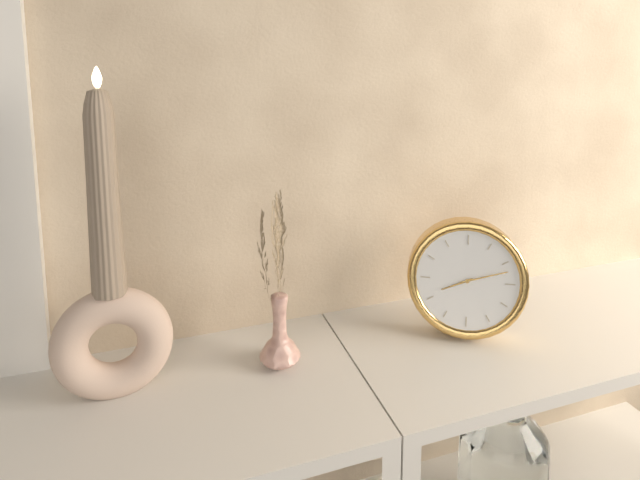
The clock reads 8:12
